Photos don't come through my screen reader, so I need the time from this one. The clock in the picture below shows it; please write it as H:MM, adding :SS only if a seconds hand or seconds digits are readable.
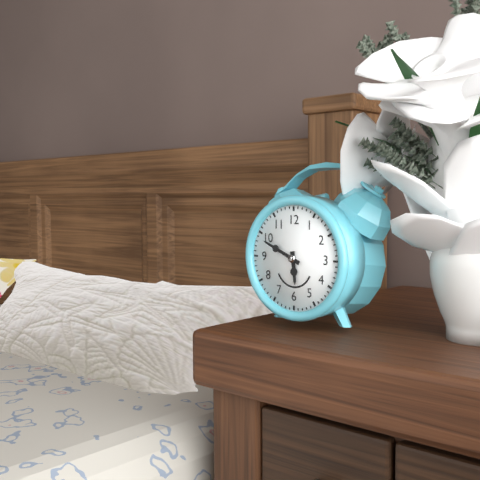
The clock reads 5:49
